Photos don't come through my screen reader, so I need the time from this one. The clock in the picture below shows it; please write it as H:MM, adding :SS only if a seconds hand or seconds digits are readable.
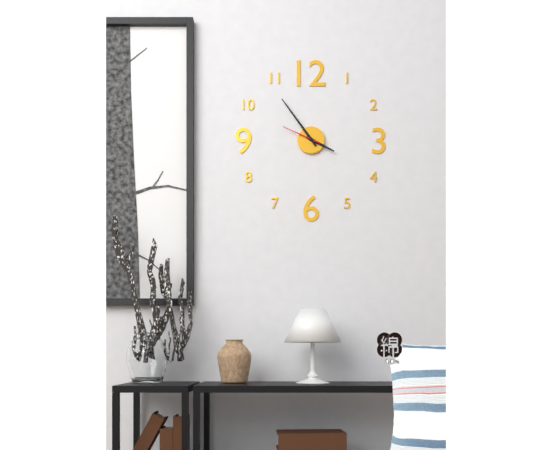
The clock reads 3:54
